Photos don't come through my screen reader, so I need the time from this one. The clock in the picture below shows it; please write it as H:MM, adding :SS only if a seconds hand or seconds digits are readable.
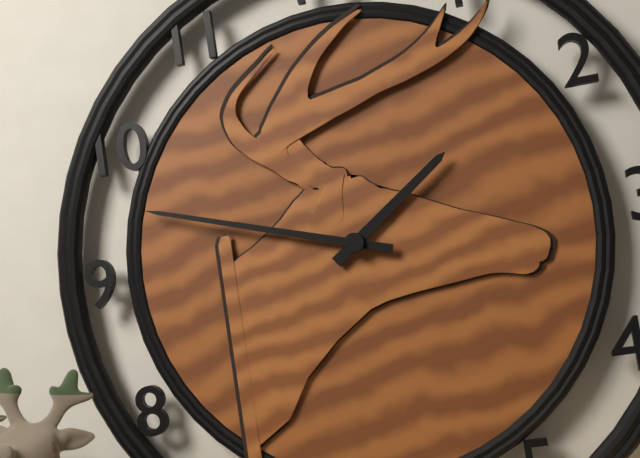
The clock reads 1:48
